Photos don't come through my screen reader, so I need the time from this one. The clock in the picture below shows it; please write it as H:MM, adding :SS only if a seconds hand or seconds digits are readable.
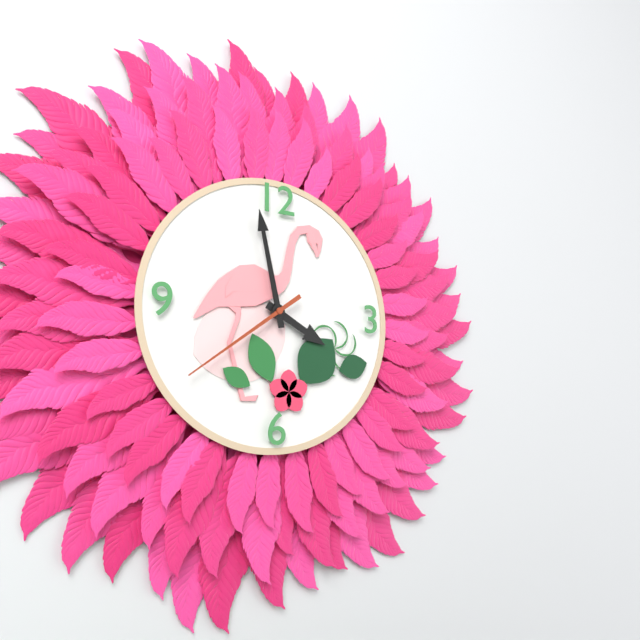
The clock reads 3:58:39
